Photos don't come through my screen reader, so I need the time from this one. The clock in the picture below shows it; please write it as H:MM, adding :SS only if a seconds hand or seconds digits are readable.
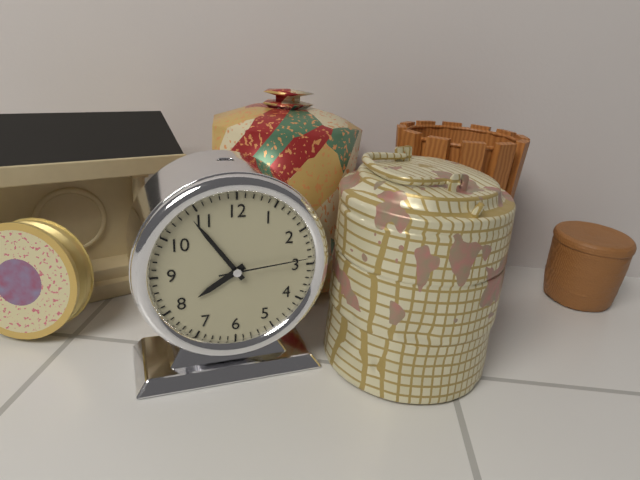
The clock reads 7:54:14
